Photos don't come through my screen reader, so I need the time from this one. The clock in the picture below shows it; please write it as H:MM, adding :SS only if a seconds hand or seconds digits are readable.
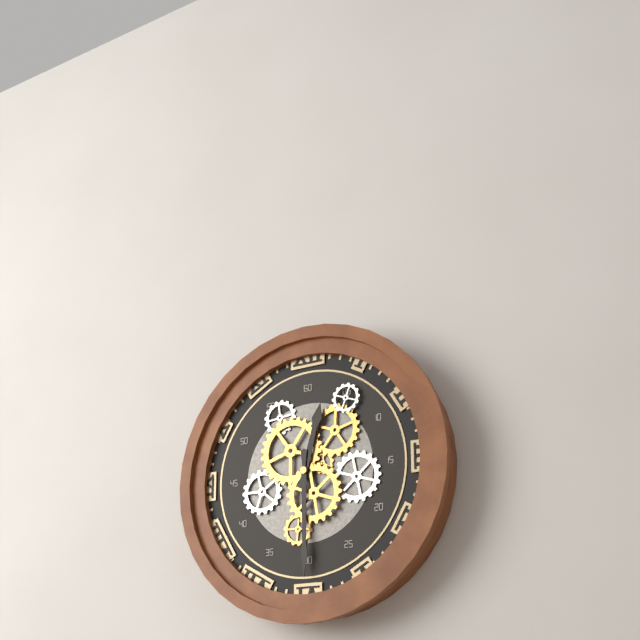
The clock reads 12:30
